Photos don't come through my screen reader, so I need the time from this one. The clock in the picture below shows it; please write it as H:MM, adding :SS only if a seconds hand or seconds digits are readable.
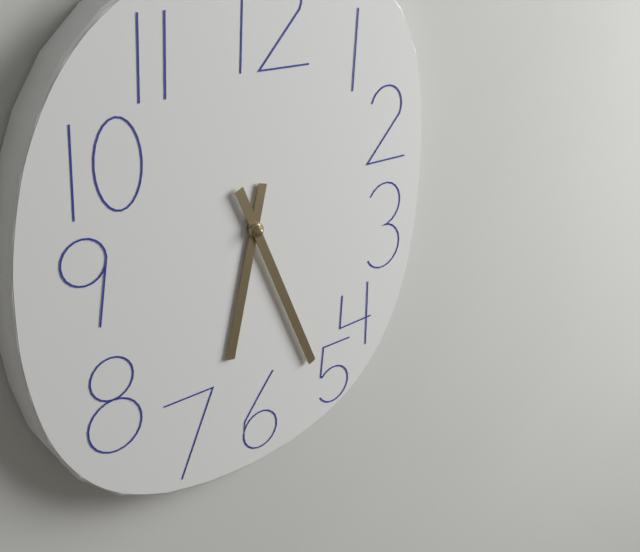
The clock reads 6:26
